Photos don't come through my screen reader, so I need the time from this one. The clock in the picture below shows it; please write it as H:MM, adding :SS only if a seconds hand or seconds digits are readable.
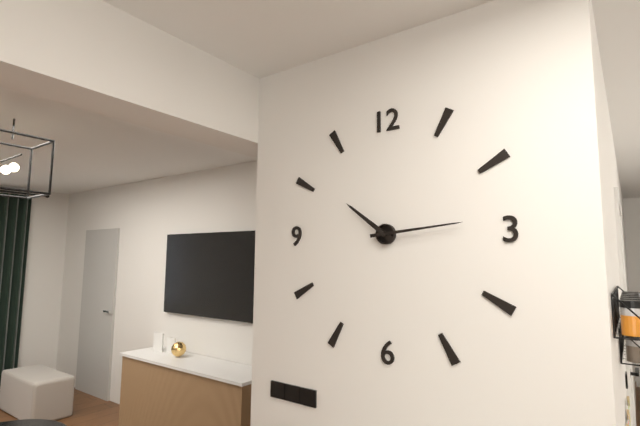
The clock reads 10:14
